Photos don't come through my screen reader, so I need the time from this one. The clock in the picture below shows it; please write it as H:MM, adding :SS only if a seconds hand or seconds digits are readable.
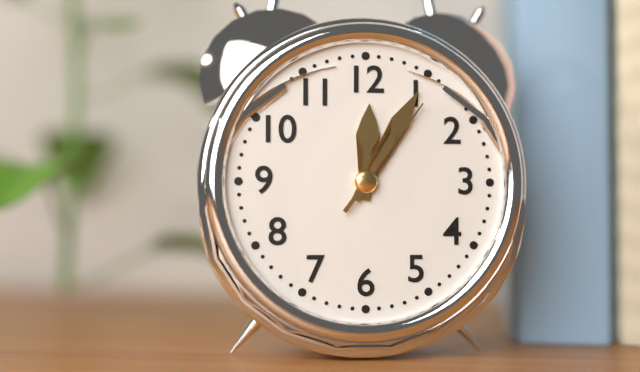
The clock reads 12:05:06
